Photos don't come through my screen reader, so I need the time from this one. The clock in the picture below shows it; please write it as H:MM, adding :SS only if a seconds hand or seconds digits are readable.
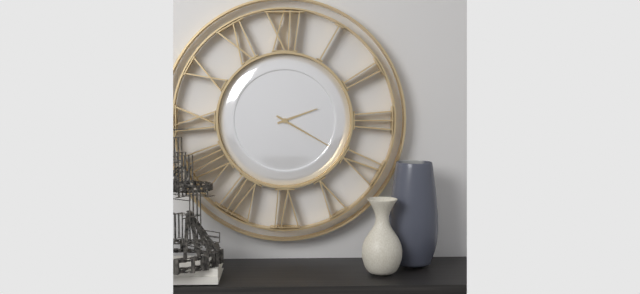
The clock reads 2:20
